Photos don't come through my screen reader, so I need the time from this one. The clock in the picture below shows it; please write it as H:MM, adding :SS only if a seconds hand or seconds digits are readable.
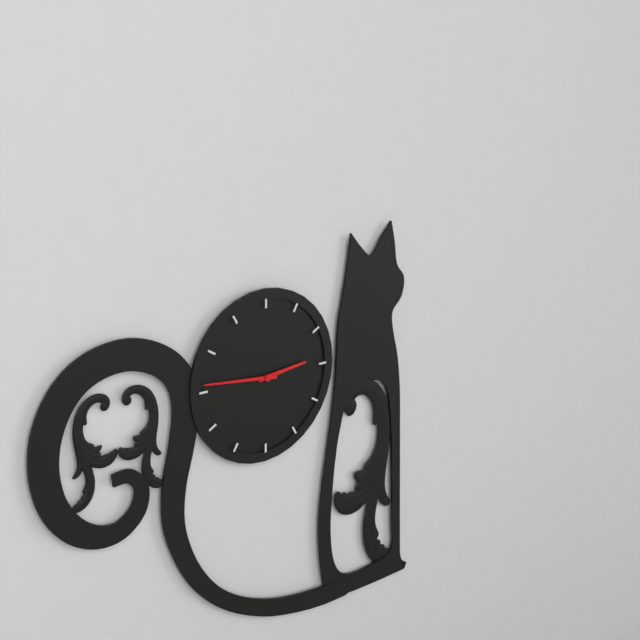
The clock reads 2:46
